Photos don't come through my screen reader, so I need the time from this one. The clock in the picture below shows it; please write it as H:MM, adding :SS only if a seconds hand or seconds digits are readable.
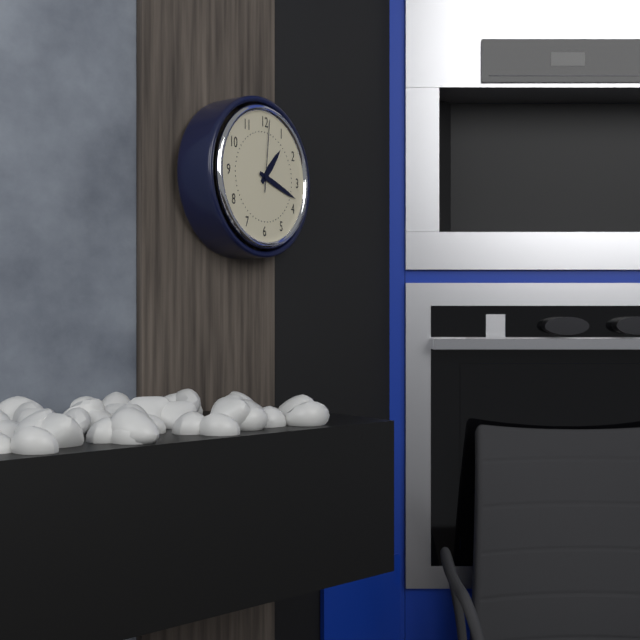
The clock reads 1:18:01
